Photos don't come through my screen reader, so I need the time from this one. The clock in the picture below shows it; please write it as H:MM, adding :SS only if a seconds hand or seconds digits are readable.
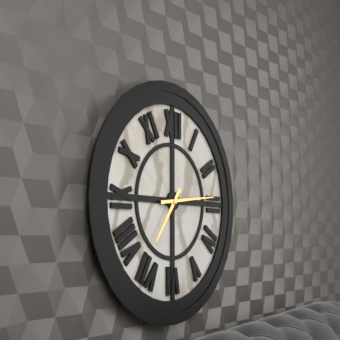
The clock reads 7:14
